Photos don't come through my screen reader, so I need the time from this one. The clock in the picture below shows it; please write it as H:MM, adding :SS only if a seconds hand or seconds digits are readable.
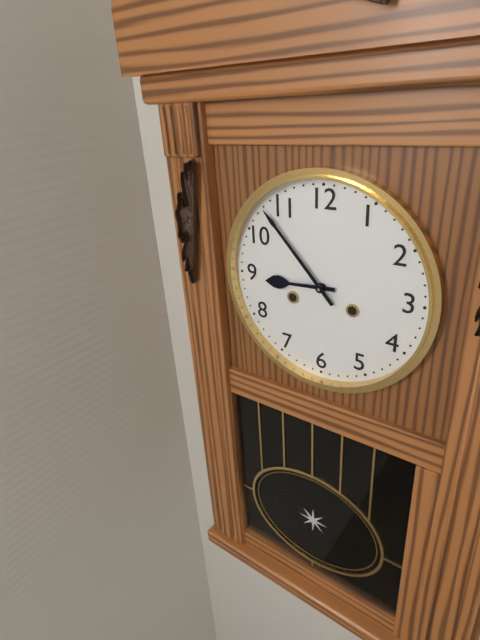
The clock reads 8:53
